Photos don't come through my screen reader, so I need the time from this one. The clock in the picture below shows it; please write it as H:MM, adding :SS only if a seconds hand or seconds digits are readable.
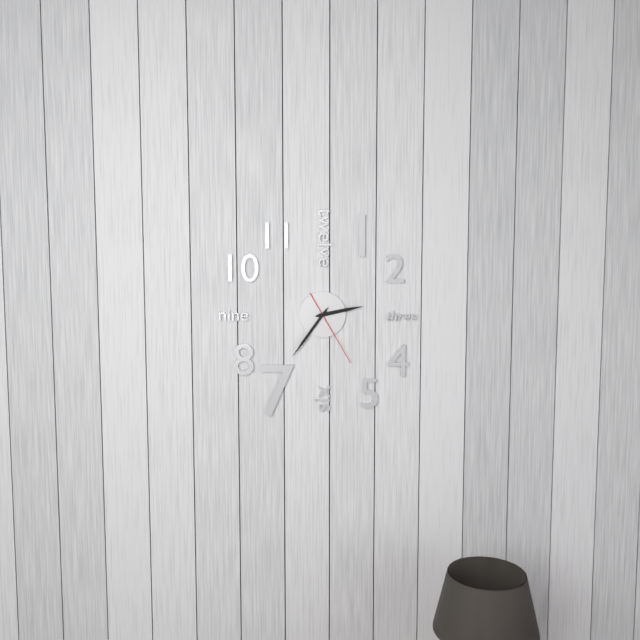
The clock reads 2:36:25
